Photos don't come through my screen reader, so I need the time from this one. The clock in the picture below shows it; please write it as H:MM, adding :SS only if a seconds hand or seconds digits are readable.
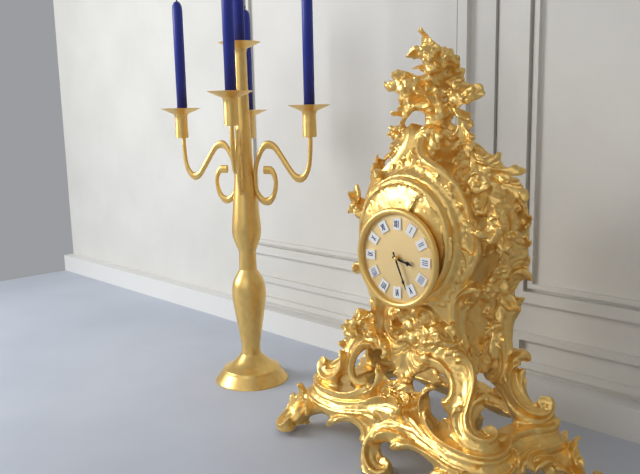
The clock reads 3:26
